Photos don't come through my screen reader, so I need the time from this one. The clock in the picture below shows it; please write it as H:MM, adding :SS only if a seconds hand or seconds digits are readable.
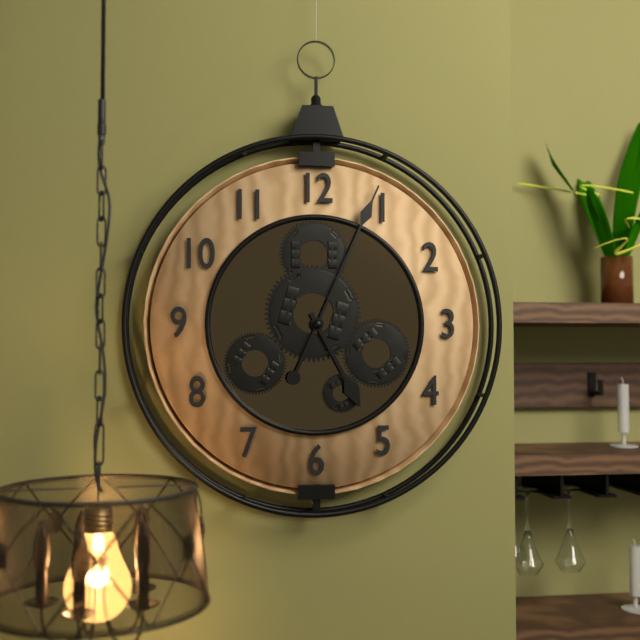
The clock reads 5:04
